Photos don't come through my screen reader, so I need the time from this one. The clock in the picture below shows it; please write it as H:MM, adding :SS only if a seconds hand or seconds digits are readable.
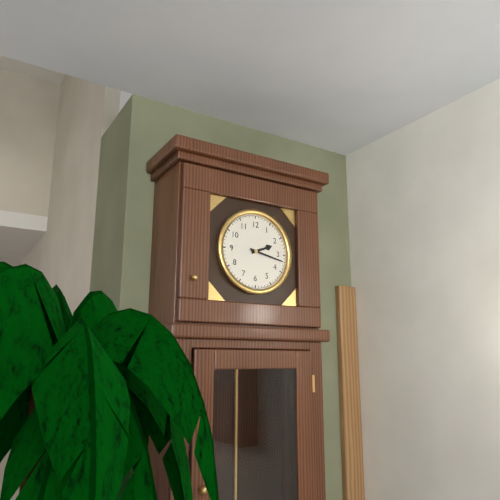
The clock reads 2:17
